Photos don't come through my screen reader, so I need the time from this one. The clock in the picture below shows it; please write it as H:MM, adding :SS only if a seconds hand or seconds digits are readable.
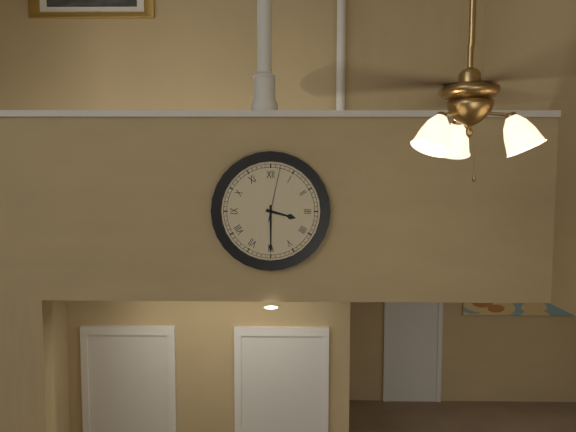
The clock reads 3:30:02
